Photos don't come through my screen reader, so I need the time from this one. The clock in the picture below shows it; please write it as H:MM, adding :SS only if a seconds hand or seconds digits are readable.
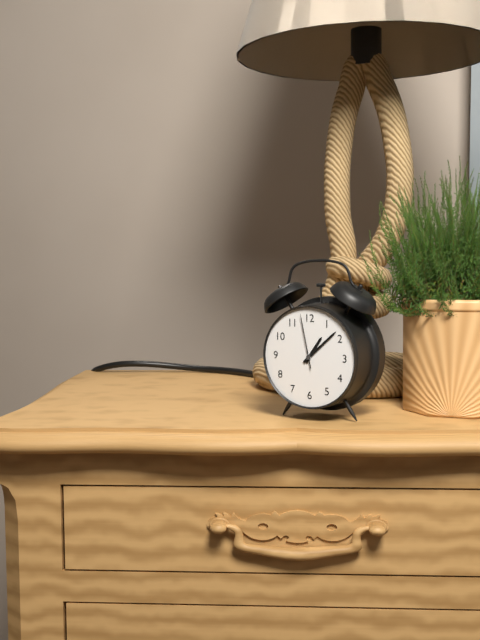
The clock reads 1:08:58
